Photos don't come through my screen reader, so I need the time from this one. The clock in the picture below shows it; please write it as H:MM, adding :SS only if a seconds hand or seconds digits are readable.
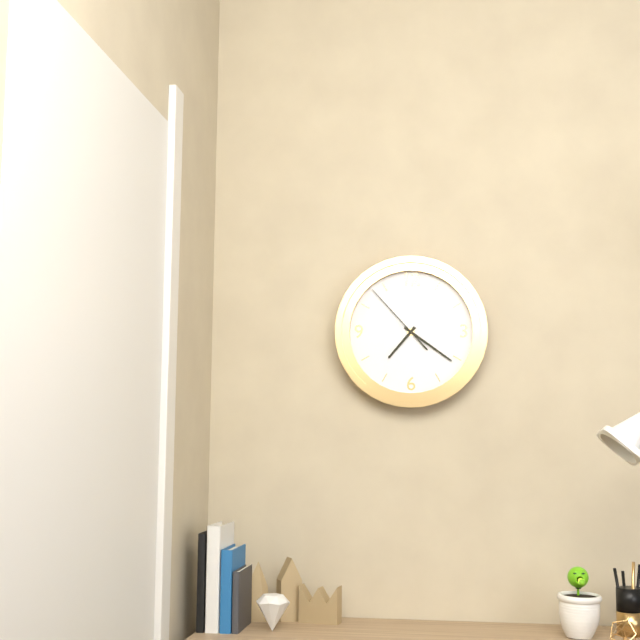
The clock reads 7:21:53
